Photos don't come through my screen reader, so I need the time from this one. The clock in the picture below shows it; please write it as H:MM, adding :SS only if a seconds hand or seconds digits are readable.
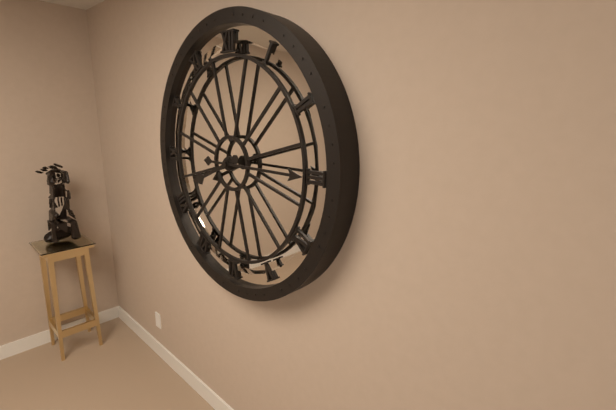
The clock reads 8:15
